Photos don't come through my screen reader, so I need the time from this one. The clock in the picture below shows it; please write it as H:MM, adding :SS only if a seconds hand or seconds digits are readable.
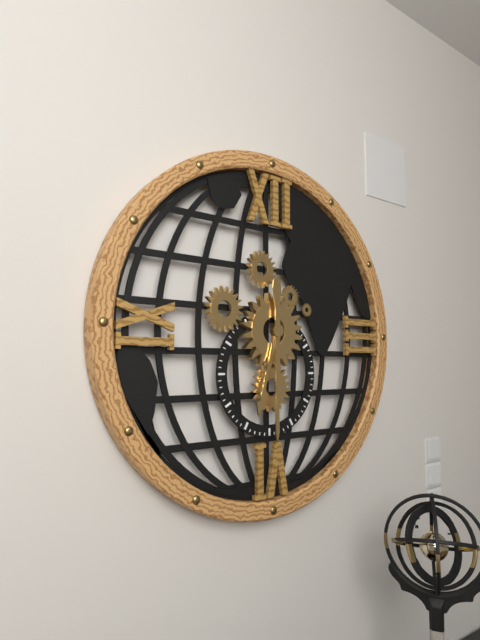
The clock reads 6:30
